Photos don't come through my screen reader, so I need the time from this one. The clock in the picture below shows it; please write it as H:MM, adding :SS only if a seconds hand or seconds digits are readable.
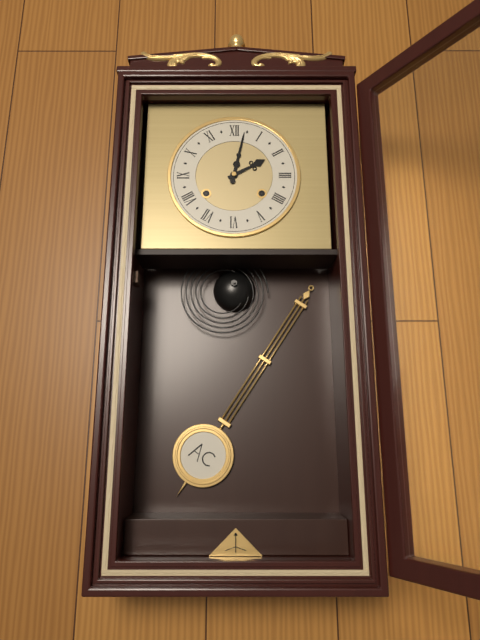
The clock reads 2:02
